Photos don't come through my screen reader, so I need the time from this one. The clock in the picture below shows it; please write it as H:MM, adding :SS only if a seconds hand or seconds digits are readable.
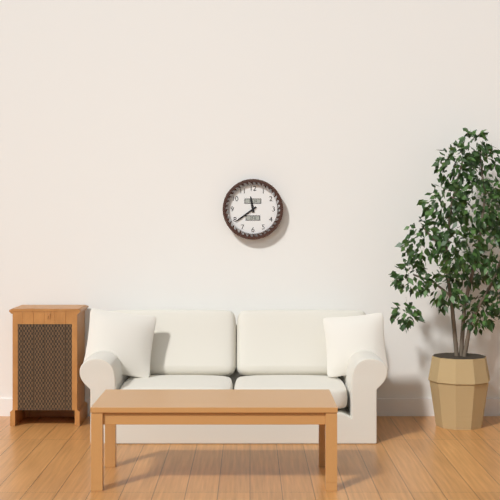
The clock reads 11:39
